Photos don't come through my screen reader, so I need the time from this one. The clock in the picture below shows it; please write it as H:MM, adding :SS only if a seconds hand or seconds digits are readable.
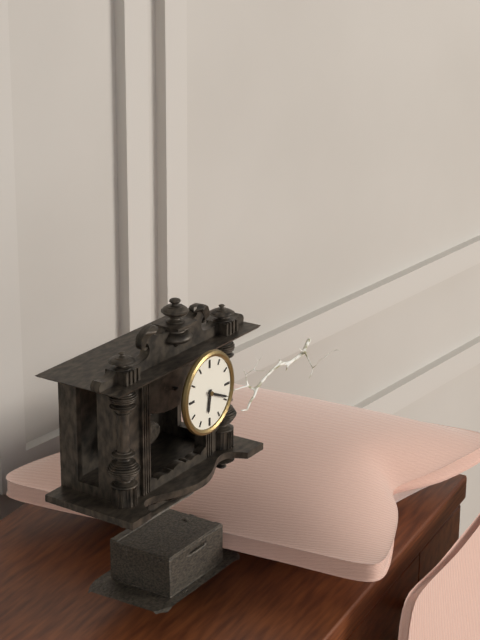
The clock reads 6:19
